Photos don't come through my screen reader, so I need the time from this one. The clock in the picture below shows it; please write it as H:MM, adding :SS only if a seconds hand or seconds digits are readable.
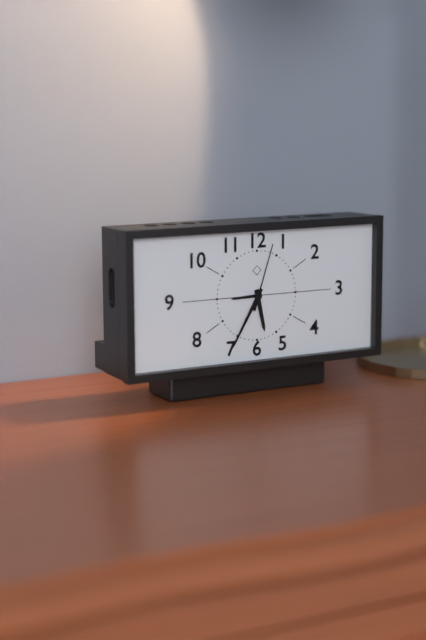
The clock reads 5:35:03
